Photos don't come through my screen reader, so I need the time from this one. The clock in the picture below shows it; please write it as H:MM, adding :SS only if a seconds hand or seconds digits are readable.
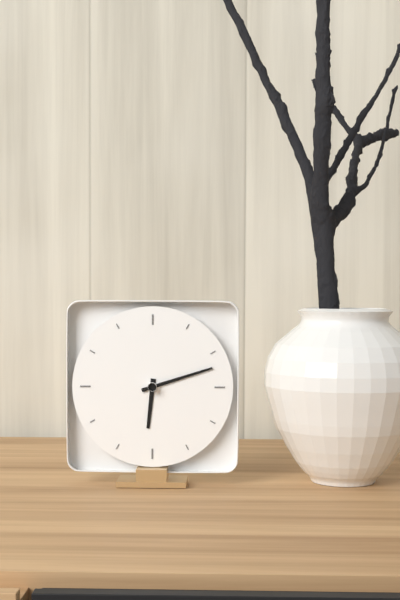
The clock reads 6:12
